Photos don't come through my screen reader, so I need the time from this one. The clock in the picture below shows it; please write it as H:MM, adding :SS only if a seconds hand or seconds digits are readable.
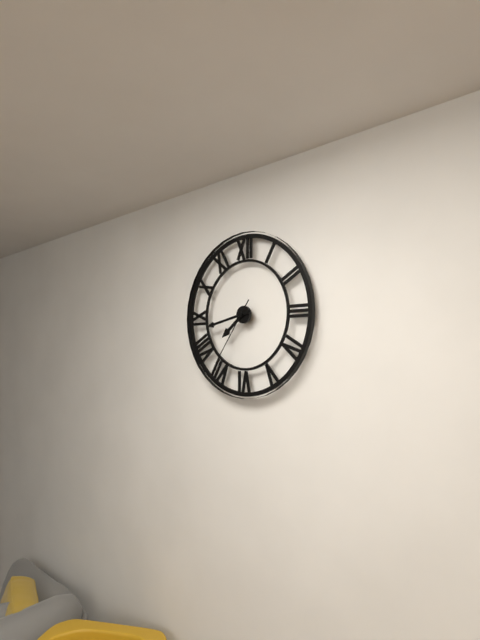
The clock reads 7:43:36
